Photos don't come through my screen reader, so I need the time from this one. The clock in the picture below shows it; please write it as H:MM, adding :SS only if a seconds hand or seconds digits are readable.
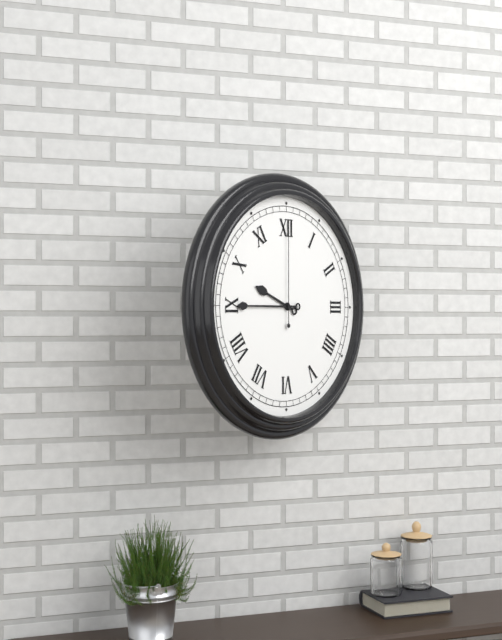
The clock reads 9:45:00
